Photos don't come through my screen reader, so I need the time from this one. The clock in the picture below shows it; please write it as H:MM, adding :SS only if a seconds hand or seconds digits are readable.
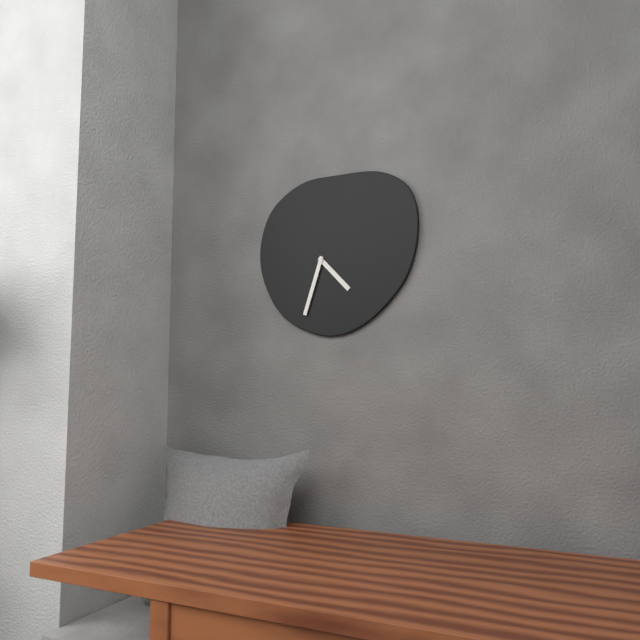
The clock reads 4:33
